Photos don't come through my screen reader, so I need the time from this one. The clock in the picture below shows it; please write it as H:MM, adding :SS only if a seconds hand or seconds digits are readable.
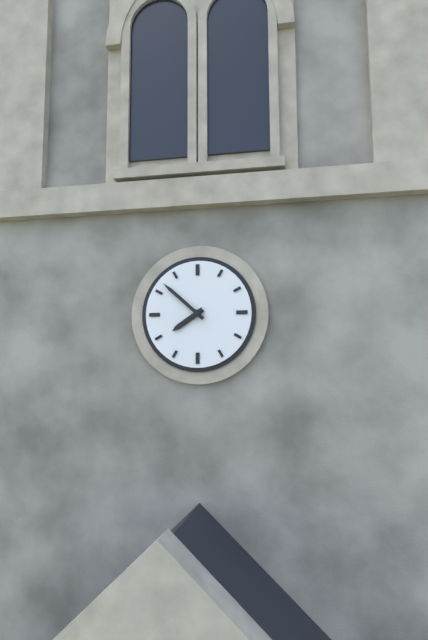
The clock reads 7:52
